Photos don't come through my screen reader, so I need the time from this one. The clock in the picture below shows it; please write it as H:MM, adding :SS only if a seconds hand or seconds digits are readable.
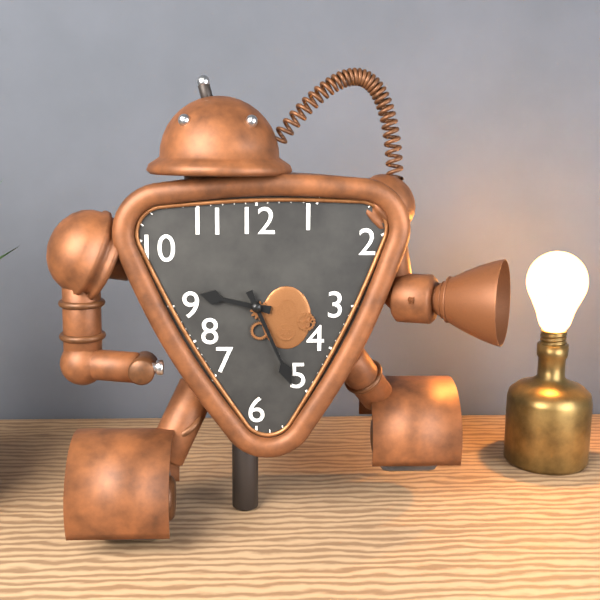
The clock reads 9:26
